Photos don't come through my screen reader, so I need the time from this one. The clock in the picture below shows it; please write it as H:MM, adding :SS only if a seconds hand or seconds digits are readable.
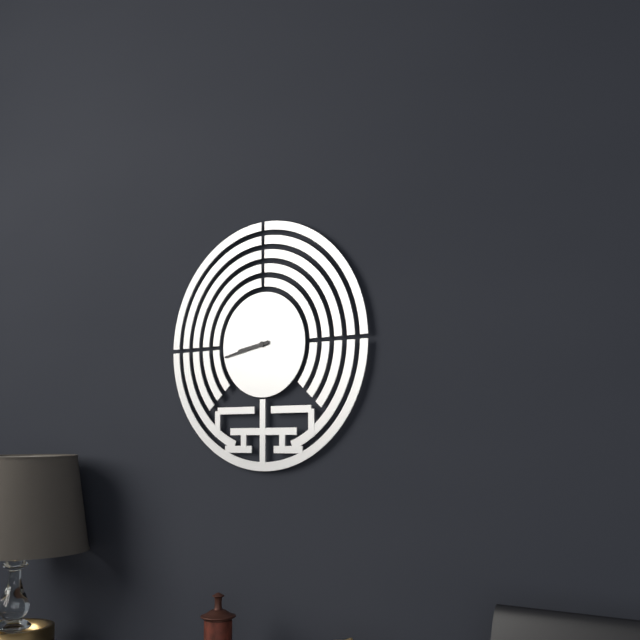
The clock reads 8:43
